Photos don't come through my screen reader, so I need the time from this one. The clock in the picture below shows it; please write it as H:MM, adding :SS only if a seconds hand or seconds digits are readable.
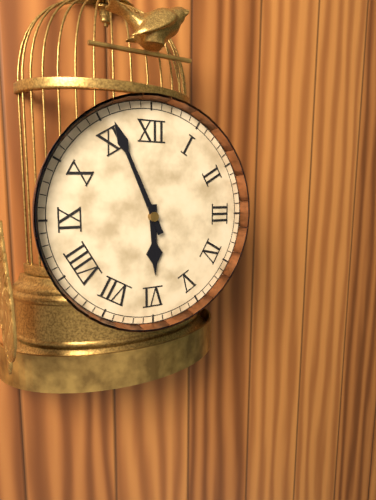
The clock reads 5:56
